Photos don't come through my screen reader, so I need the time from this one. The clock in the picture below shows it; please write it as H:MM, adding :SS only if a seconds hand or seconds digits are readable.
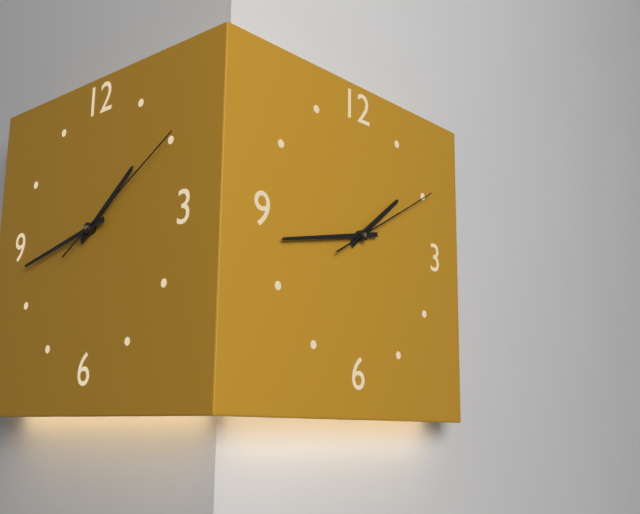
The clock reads 1:43:10
